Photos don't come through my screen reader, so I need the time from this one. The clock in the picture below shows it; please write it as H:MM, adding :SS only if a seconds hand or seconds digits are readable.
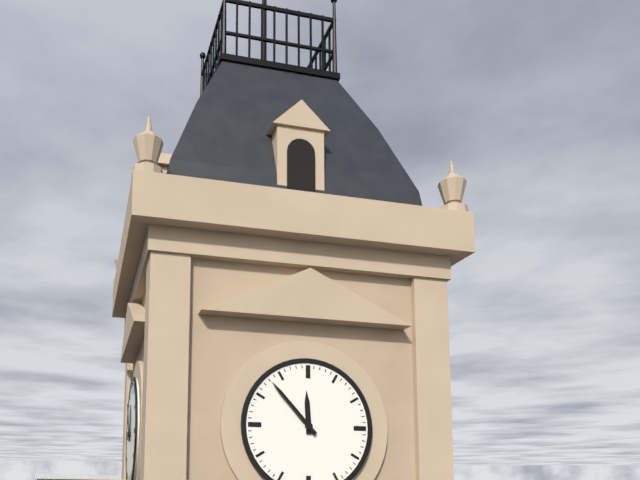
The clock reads 11:53
